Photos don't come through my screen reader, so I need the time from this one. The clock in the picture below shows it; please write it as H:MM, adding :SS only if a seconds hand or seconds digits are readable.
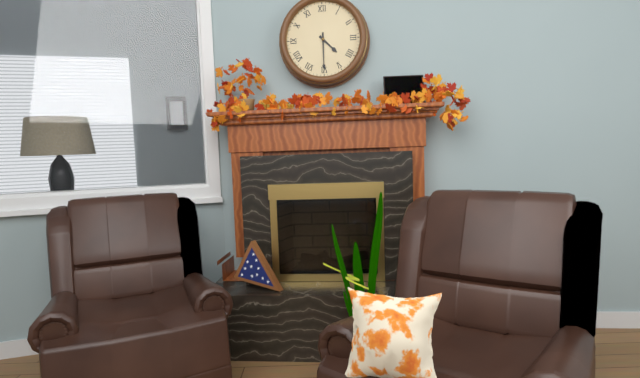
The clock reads 4:30
